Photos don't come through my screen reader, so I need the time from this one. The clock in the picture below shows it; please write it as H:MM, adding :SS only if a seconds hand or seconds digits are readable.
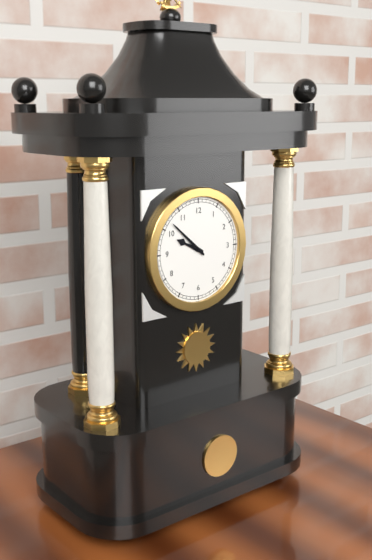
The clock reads 9:52
